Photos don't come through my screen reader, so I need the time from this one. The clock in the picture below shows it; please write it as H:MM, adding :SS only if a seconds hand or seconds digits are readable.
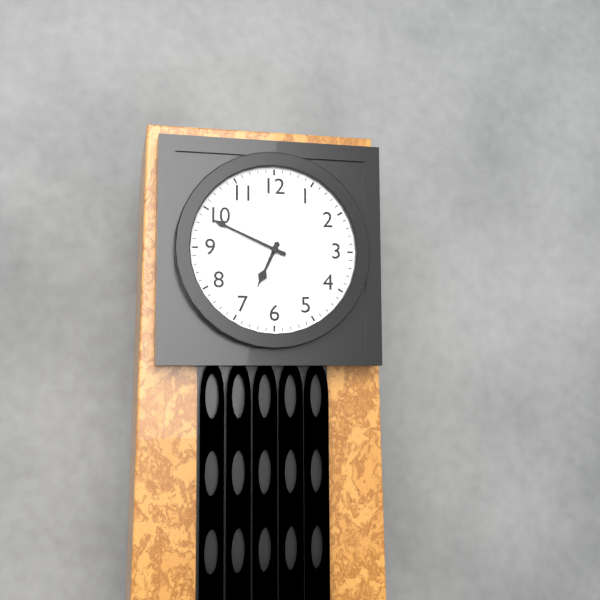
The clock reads 6:49
